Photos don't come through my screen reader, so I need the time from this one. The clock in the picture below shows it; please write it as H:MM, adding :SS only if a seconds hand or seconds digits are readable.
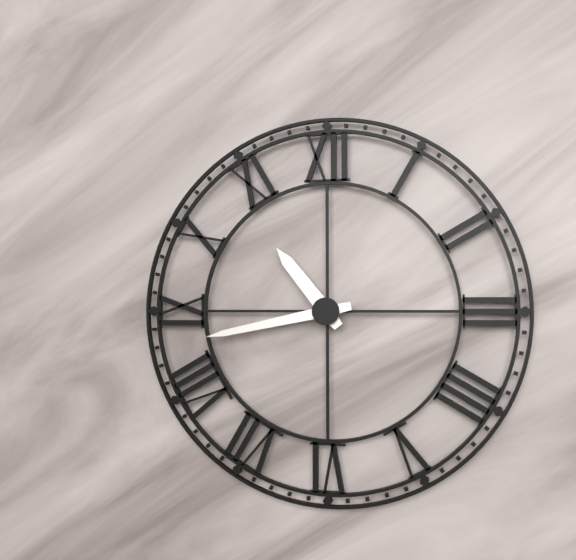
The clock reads 10:43
